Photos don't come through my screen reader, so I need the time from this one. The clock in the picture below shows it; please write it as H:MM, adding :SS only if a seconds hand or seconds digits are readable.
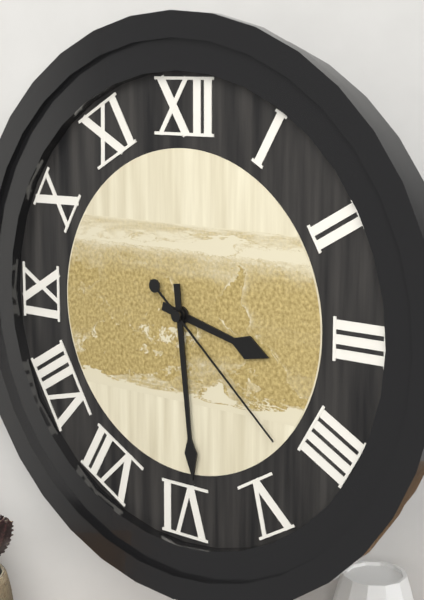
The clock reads 3:29:22
